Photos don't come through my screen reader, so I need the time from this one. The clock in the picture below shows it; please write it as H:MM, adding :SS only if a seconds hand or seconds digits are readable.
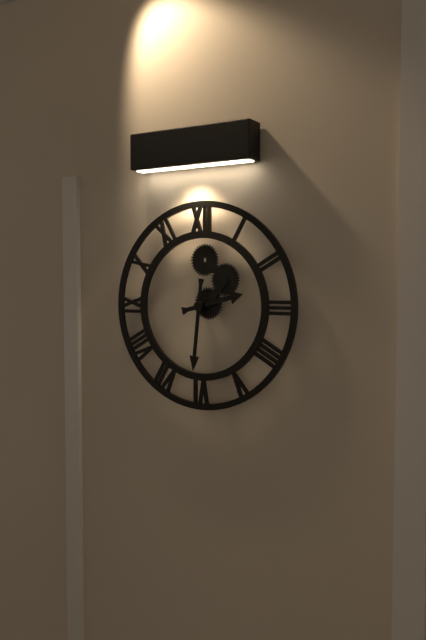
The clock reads 2:31
